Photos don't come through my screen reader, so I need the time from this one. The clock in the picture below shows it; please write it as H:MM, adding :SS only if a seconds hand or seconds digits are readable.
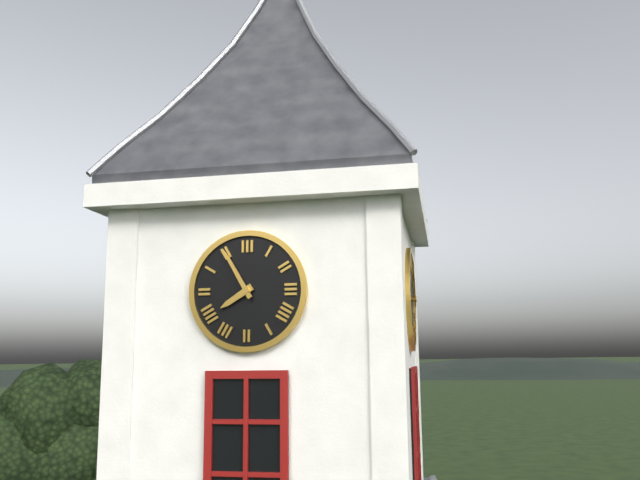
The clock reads 7:55
